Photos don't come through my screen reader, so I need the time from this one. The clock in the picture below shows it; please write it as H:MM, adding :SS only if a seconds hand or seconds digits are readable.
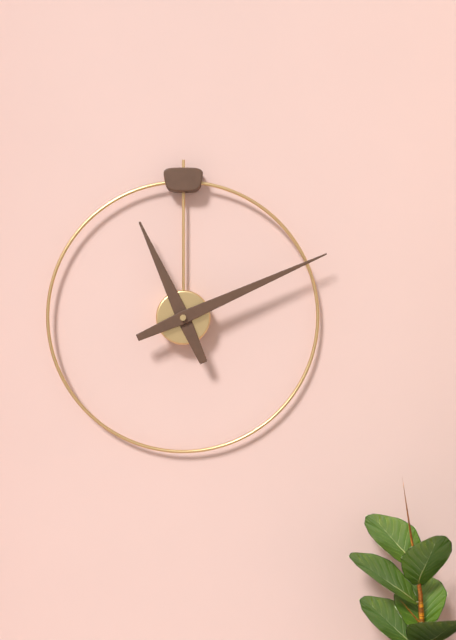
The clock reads 11:11
